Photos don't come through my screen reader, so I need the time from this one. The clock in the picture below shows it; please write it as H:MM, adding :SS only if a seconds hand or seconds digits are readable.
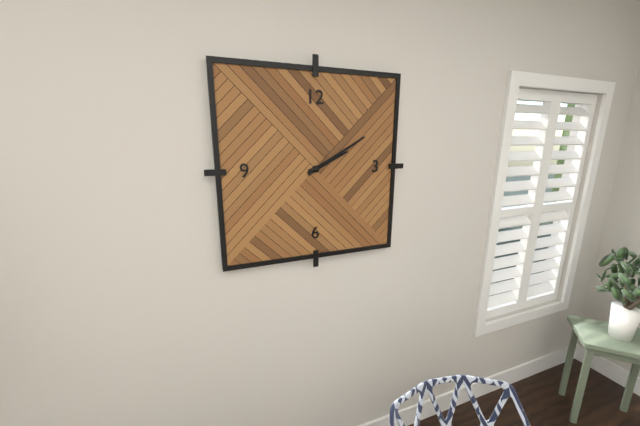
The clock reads 2:10
